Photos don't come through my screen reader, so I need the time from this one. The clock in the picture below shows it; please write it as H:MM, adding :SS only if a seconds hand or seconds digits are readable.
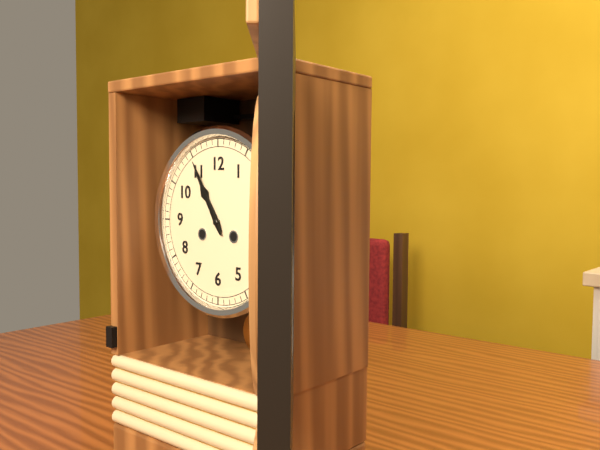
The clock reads 10:55
